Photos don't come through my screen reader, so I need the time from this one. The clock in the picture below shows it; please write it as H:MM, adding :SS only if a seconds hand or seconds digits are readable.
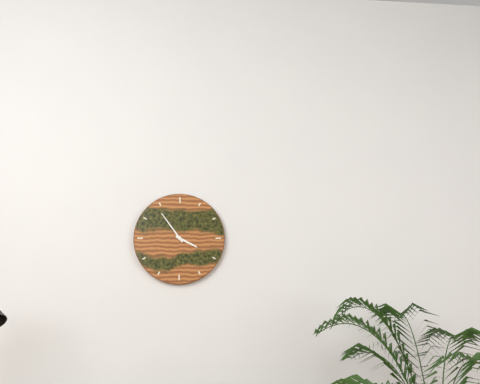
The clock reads 3:54
